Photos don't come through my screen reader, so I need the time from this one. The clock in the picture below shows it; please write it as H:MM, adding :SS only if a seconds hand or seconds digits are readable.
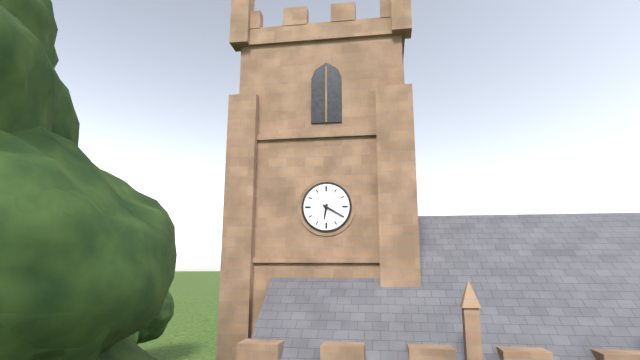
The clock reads 6:20
